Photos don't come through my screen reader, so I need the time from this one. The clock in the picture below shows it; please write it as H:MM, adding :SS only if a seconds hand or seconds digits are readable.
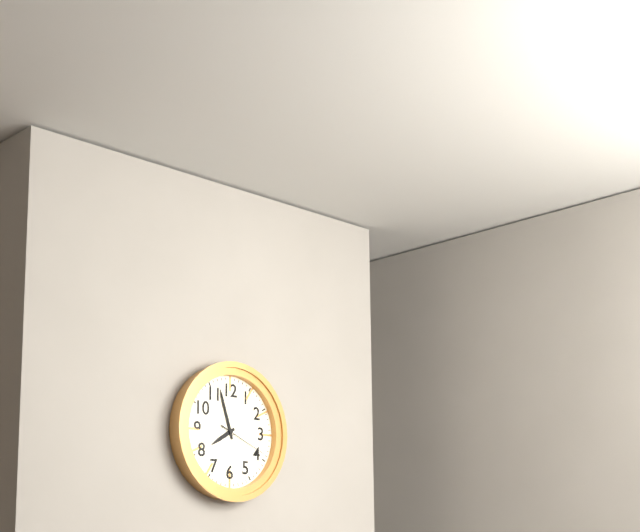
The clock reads 7:57
